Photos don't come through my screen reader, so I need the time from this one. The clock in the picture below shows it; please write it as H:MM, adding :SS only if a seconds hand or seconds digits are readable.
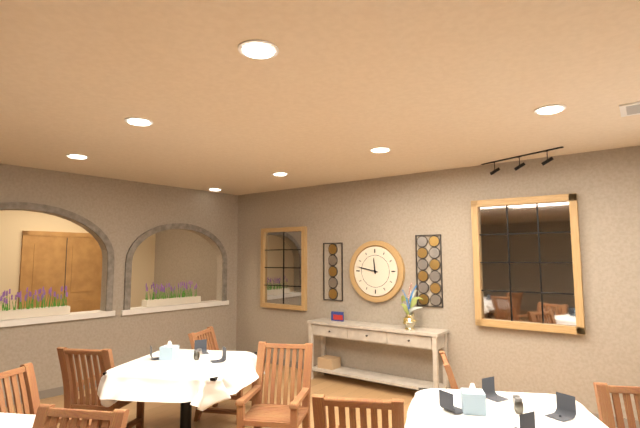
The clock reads 11:47
